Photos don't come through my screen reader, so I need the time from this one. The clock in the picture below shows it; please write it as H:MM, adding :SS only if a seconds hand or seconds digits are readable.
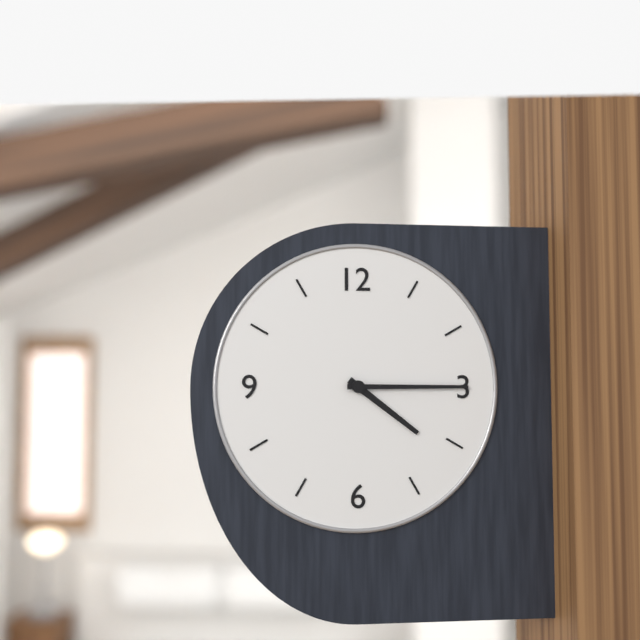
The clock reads 4:15
